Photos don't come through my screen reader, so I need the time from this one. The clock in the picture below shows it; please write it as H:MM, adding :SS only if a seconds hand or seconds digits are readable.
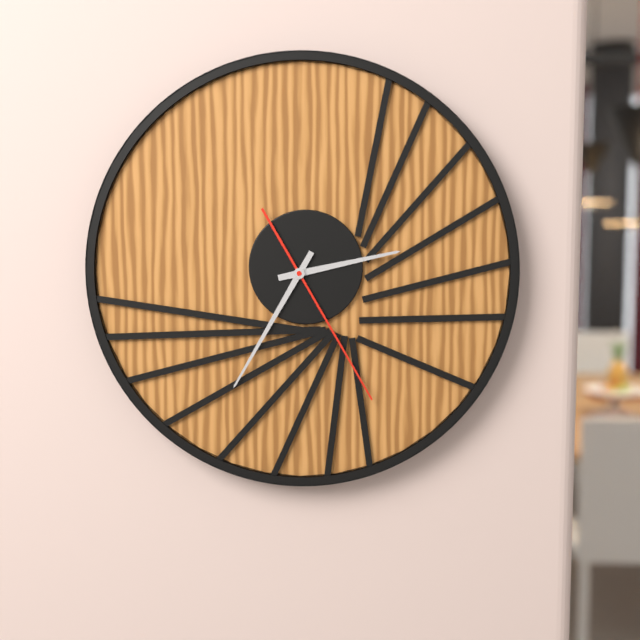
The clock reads 2:35:25
